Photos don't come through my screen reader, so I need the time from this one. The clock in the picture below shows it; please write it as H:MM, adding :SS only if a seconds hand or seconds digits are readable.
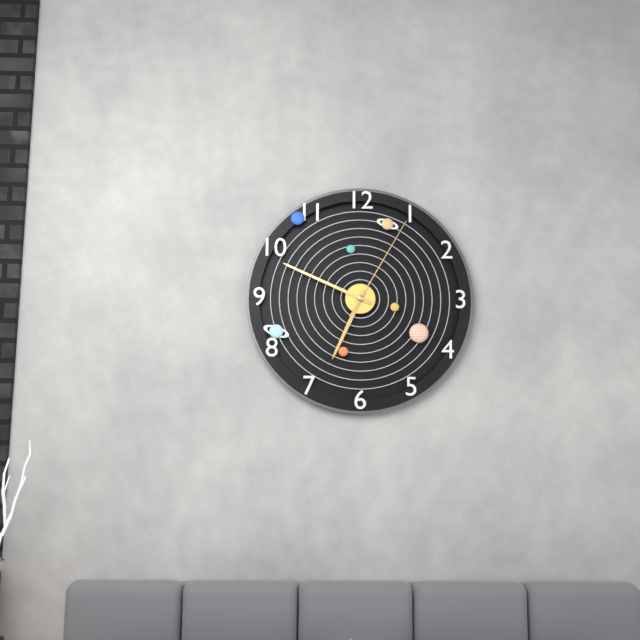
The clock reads 6:49:05
